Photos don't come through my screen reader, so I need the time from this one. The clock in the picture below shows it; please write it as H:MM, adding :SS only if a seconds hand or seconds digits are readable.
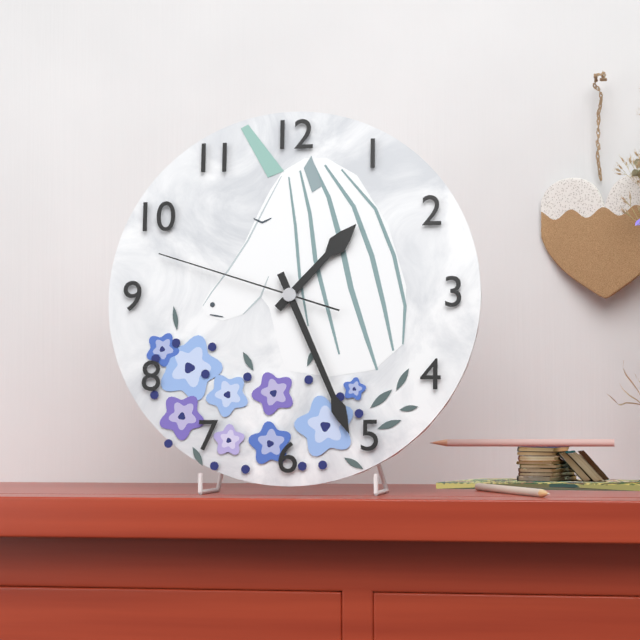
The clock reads 1:26:48
